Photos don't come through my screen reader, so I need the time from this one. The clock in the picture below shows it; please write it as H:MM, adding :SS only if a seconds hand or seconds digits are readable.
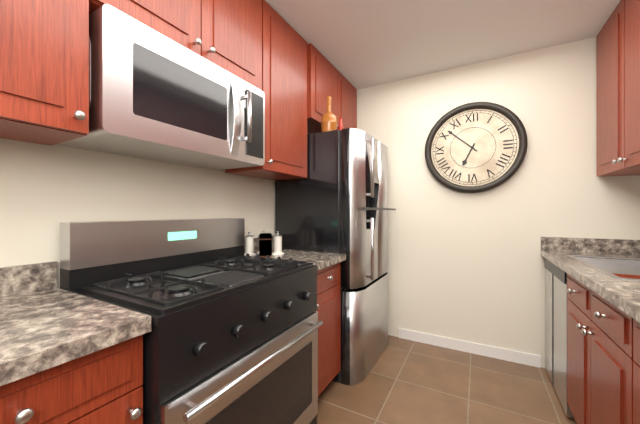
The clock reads 6:52
